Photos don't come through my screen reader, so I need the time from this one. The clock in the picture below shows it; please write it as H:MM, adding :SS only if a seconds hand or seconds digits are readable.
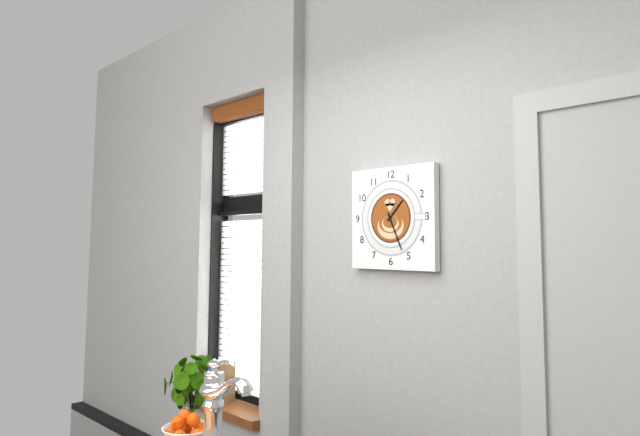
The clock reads 1:26
